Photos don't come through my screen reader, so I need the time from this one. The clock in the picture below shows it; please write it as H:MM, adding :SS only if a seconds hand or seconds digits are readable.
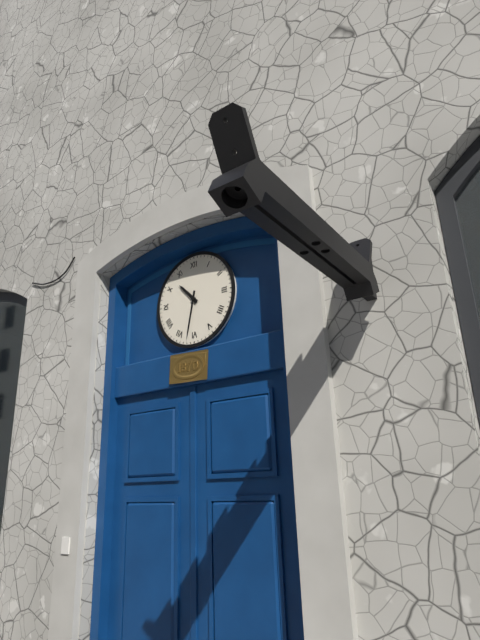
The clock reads 10:32
